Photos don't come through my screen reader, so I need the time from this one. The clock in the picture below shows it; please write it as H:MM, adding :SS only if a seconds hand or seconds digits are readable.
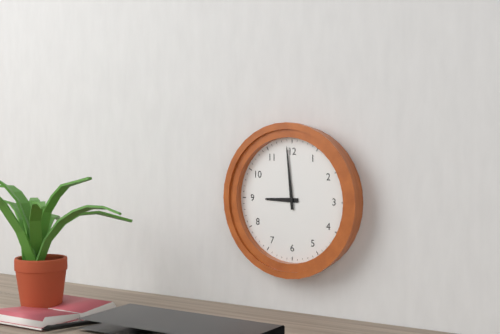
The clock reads 8:59
